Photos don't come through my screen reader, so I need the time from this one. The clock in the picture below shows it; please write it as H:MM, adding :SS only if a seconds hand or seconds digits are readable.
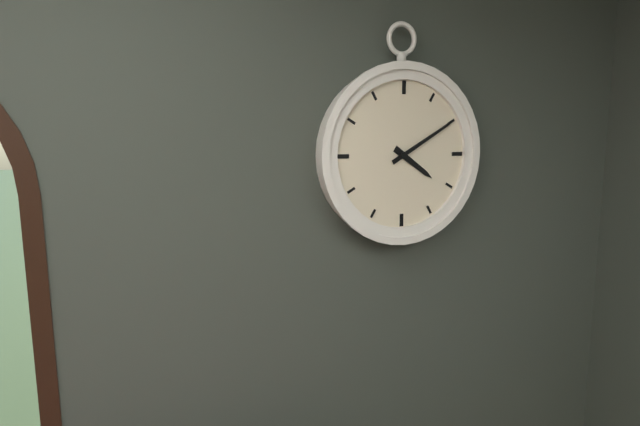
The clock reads 4:10
